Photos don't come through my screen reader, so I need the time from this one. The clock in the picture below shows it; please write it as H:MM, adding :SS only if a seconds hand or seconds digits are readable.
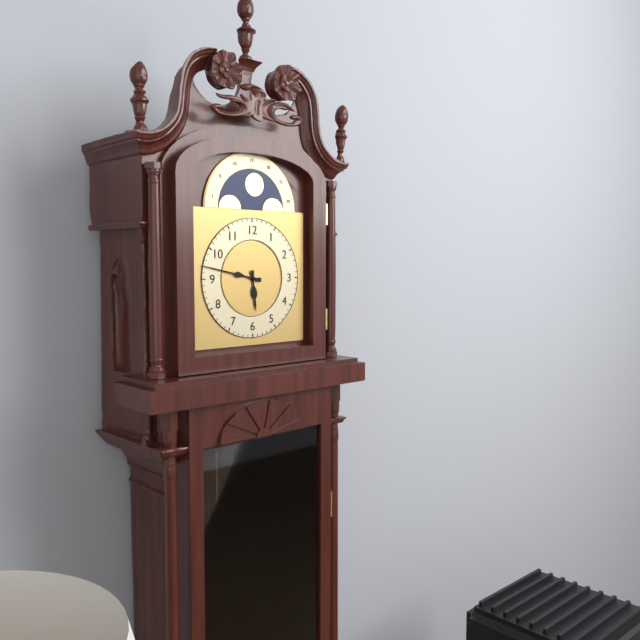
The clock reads 5:47
